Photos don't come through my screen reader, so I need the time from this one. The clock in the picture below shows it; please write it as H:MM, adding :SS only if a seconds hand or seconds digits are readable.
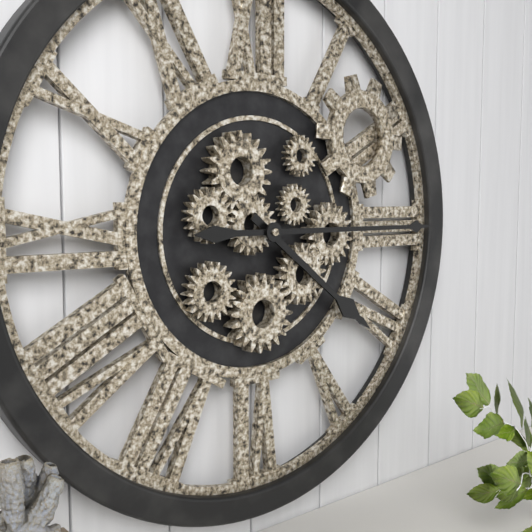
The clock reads 4:15
